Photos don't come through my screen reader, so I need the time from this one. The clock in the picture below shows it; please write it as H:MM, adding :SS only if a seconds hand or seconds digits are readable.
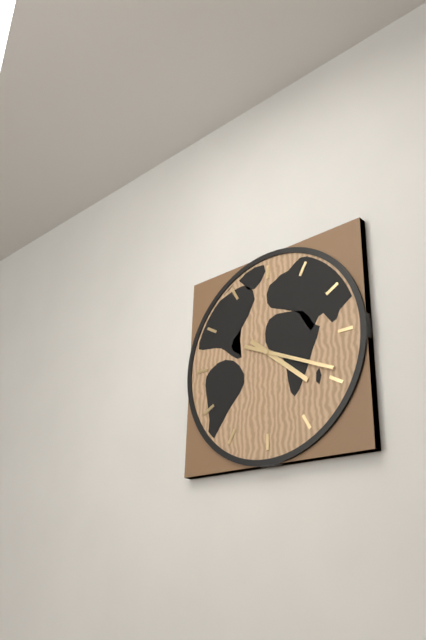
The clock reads 4:19
